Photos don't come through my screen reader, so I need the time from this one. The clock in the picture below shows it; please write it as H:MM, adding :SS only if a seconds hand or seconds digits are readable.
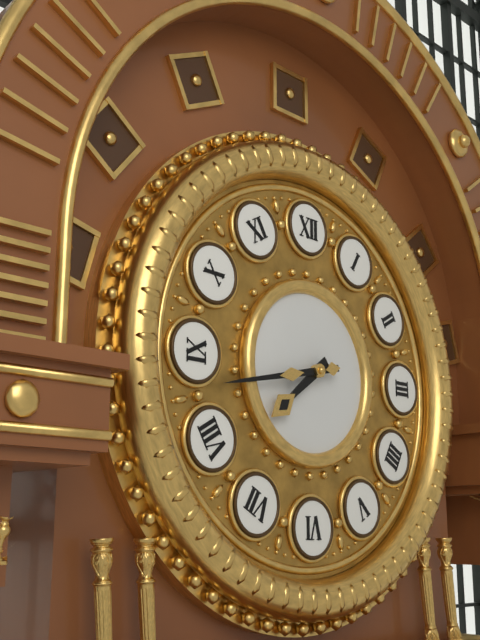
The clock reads 7:43
